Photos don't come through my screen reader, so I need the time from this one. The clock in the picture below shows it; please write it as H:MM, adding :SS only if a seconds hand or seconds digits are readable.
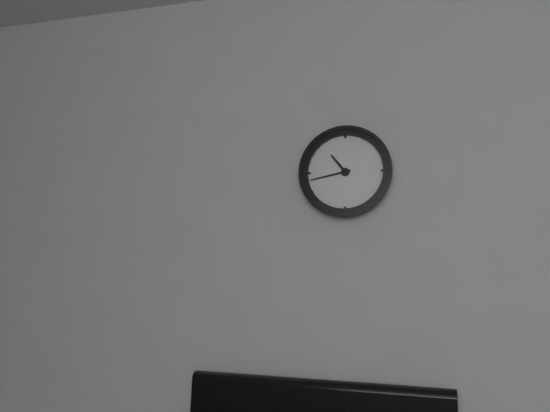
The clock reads 10:43
